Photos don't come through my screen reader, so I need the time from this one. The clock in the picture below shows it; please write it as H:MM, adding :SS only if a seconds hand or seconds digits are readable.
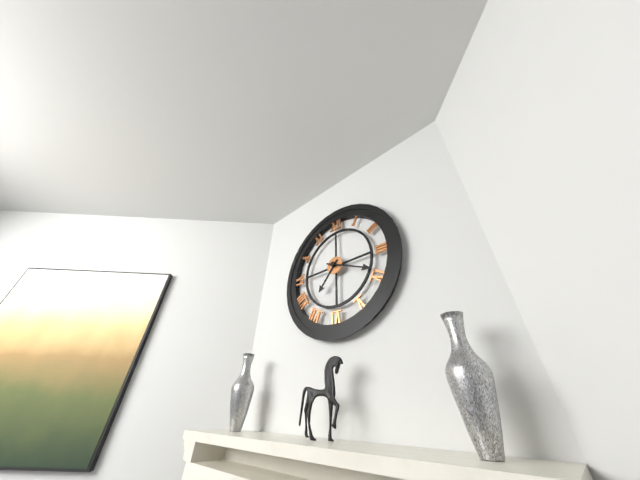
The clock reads 7:19
